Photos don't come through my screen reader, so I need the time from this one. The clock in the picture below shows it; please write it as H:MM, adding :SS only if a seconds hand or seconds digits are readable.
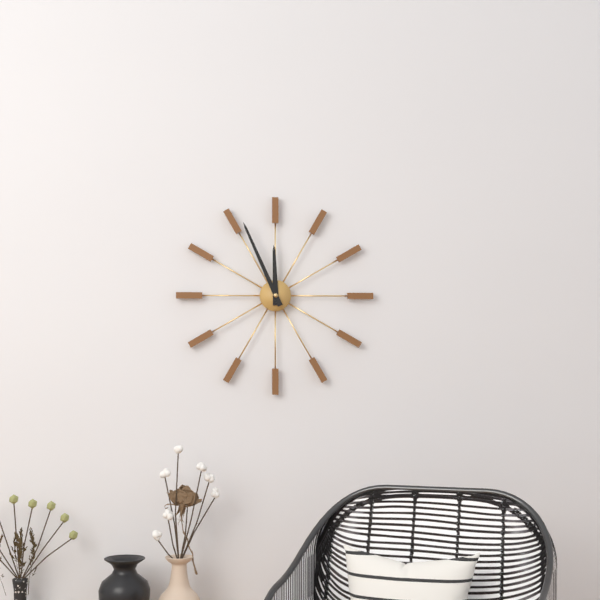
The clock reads 11:56
